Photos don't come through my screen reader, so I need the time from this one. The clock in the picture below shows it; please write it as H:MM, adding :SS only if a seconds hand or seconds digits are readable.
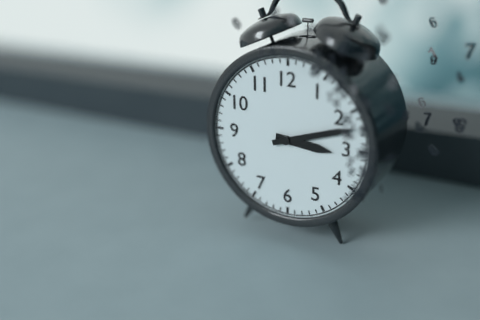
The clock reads 3:12
